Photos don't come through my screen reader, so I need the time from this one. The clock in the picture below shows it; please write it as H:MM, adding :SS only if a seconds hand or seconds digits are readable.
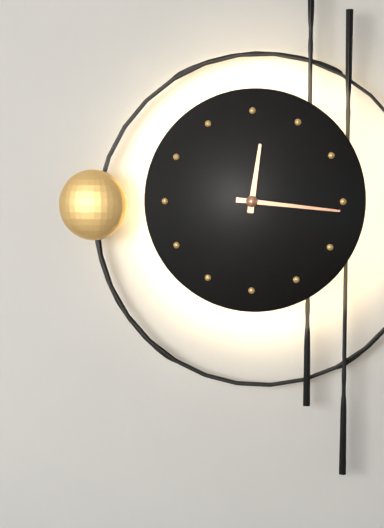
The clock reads 12:16
